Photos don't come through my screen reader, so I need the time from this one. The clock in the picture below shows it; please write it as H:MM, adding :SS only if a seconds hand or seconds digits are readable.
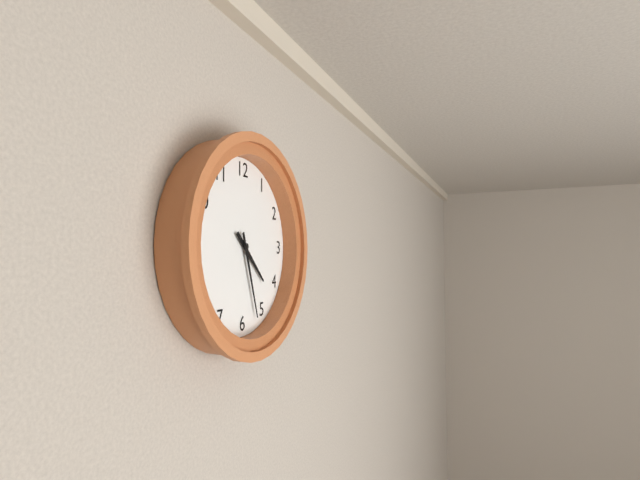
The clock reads 4:27
